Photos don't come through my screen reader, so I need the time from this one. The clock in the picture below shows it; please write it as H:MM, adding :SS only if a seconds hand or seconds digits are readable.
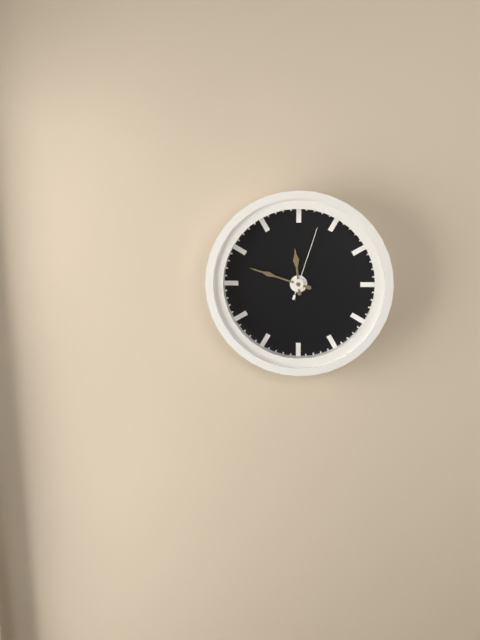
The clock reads 11:48:03
